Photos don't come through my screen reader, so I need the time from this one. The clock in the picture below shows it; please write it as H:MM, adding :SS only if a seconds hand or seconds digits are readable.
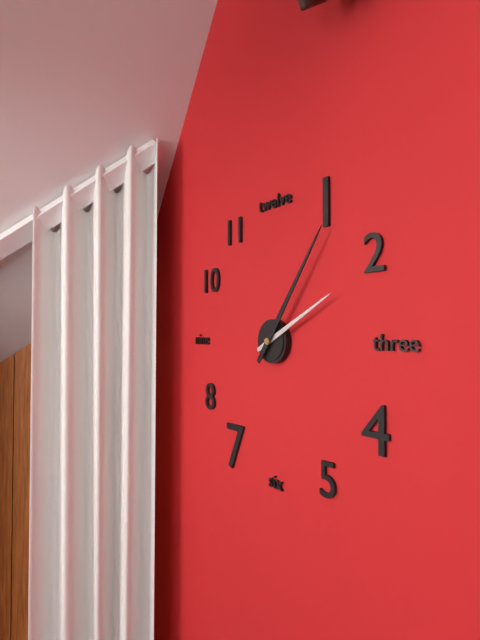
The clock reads 2:06
